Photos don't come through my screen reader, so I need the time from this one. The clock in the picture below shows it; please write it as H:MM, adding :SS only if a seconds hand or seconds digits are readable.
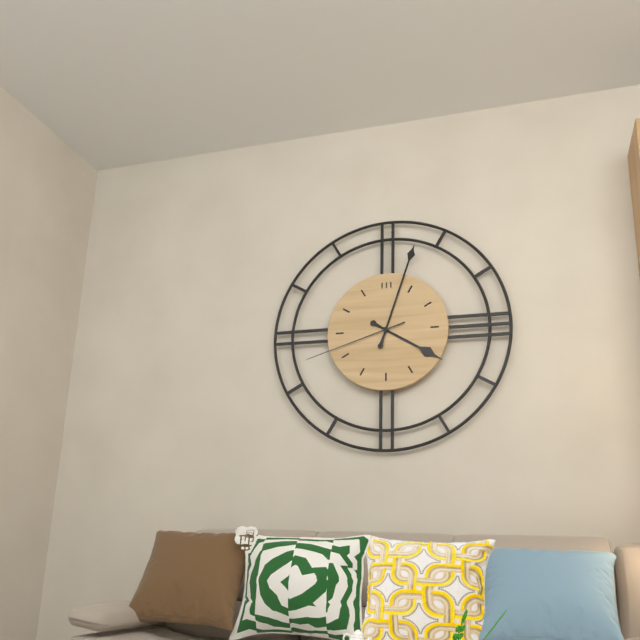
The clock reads 4:03:42
